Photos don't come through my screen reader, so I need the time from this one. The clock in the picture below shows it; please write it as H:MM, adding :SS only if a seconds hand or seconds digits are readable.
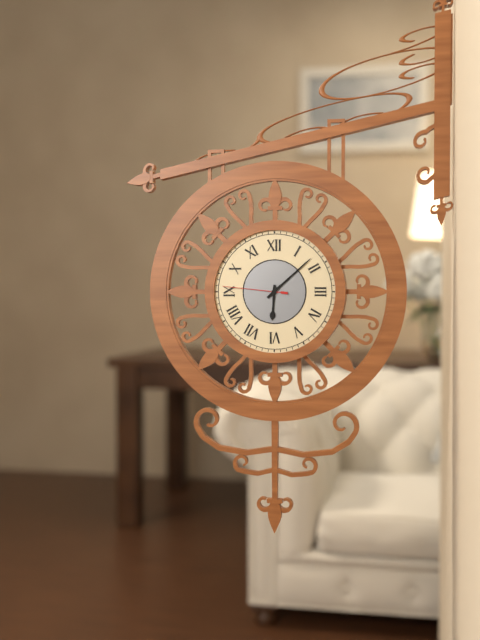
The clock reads 6:08:46
